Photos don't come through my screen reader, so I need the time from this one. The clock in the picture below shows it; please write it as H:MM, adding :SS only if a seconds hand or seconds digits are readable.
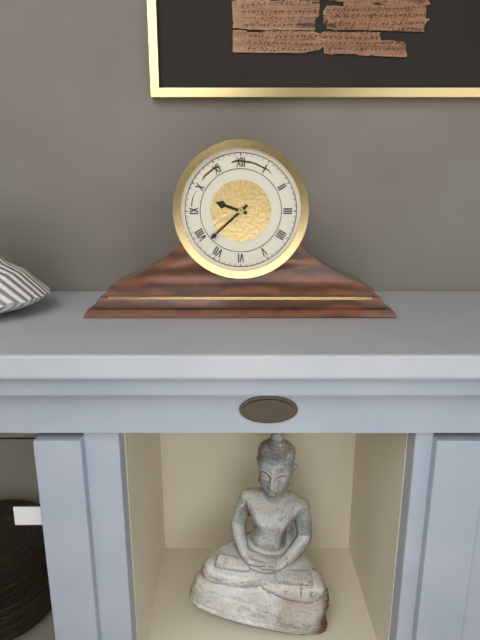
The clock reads 9:38
